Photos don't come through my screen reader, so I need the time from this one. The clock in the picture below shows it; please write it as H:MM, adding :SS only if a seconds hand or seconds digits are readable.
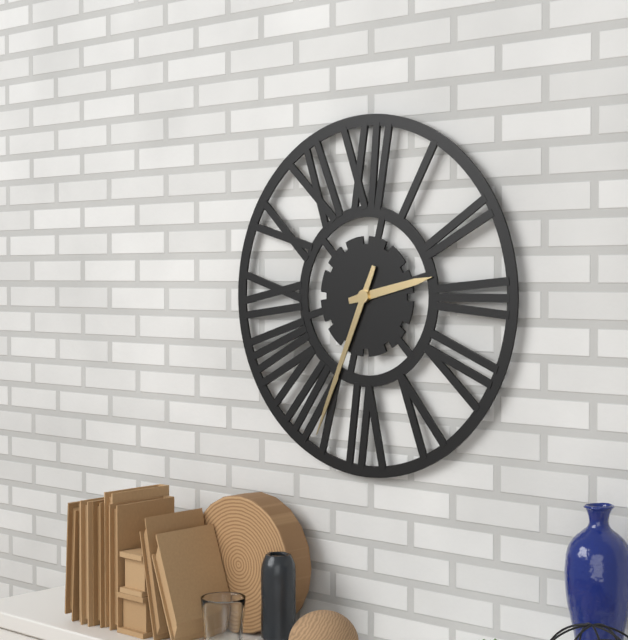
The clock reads 2:34
